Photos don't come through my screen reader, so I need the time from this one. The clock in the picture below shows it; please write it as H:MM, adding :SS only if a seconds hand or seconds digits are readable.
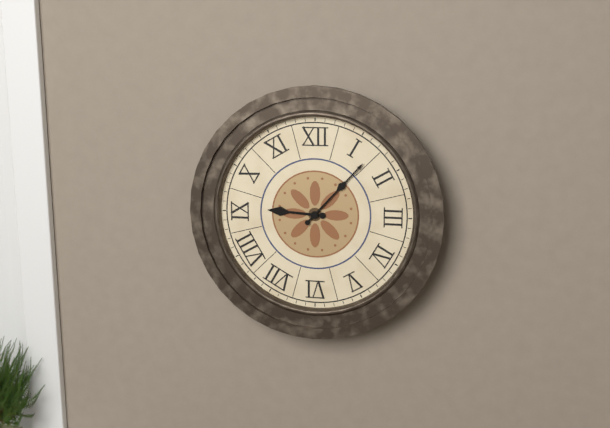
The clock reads 9:07
